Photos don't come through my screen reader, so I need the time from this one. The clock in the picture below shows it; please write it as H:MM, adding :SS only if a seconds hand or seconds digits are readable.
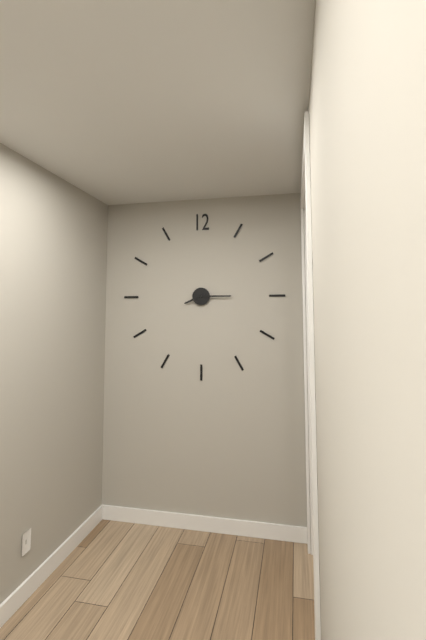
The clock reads 8:15
